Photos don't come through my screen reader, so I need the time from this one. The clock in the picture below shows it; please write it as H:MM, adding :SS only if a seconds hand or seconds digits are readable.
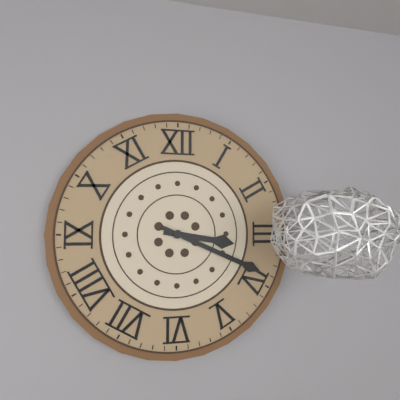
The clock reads 3:19
